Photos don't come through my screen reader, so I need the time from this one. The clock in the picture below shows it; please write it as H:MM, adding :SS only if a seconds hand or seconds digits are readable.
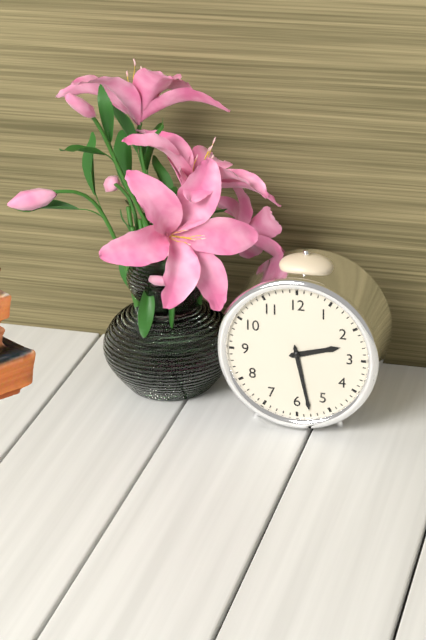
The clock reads 2:28
